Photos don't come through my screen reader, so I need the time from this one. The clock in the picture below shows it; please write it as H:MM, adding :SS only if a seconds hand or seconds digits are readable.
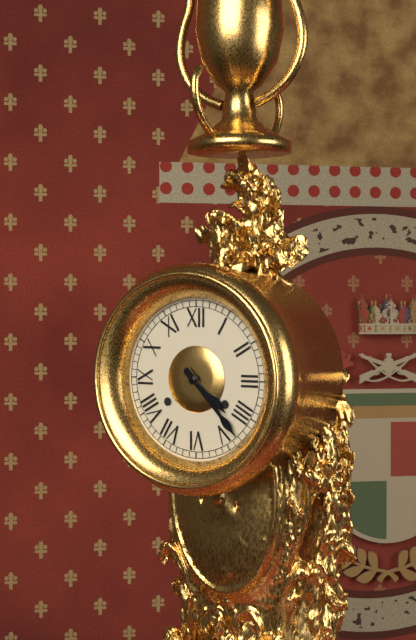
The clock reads 4:23
